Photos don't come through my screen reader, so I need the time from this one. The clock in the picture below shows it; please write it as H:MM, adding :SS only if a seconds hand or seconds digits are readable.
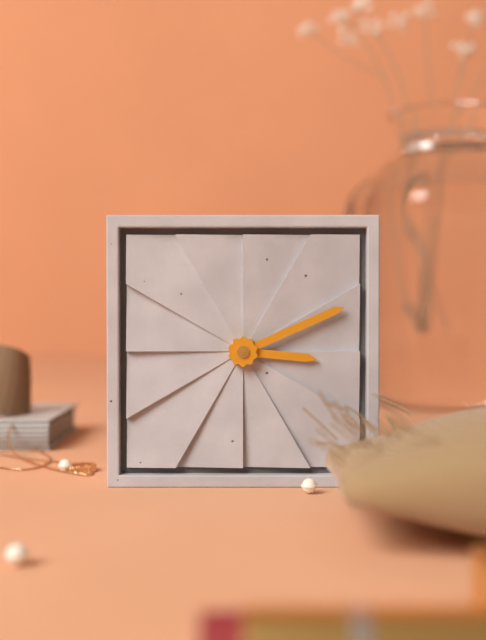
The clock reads 3:11
